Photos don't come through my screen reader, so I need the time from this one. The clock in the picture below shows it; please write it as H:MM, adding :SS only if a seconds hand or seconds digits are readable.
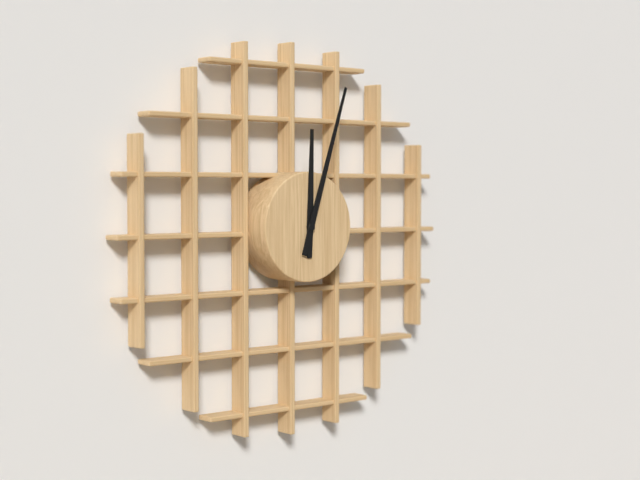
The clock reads 12:03
